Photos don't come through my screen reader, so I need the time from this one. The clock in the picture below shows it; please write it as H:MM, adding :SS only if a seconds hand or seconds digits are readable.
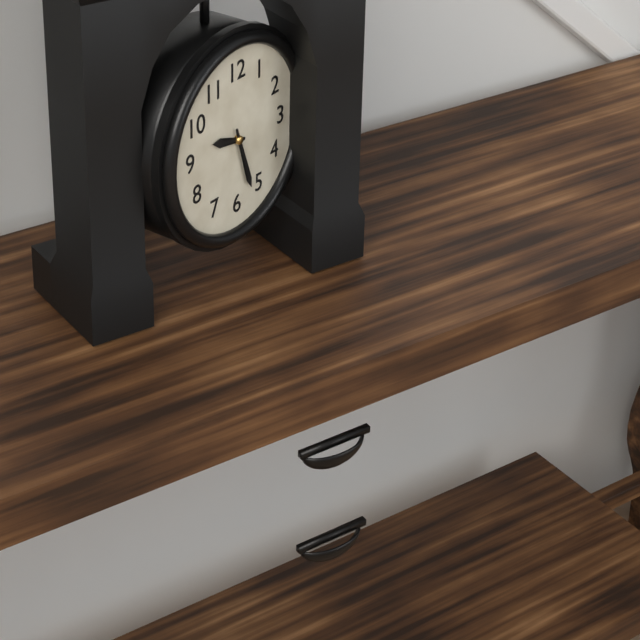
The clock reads 9:27
